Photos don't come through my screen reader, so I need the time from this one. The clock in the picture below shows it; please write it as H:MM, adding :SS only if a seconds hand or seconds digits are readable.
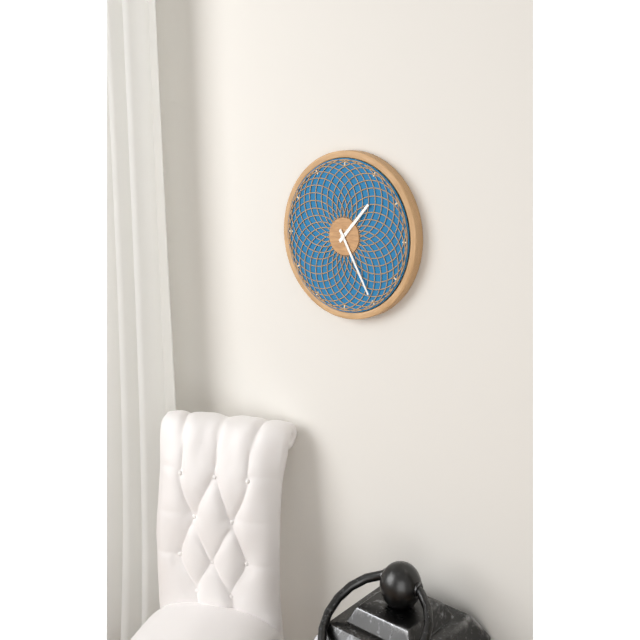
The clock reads 1:25
